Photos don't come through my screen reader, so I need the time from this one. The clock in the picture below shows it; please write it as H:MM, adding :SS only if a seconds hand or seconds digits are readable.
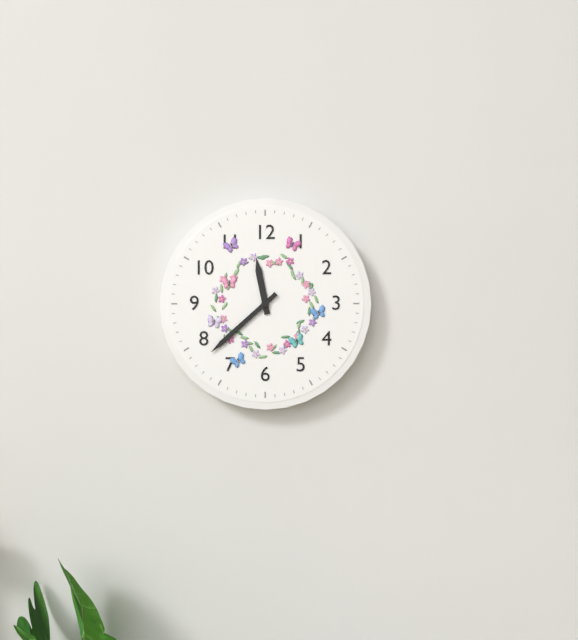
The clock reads 11:38
